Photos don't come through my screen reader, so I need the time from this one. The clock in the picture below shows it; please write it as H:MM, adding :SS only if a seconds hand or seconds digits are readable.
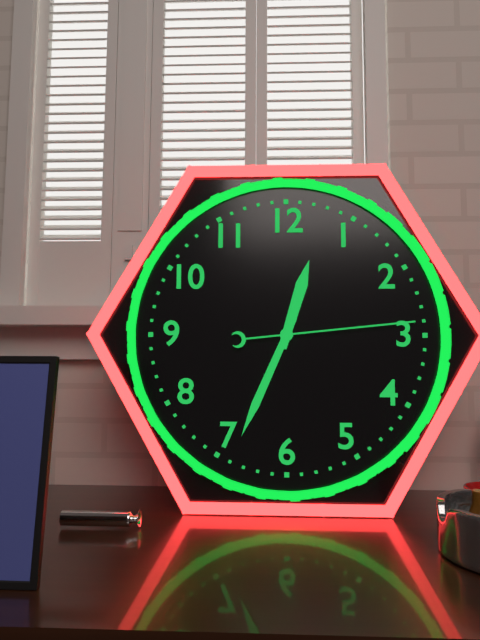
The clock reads 12:34:14
